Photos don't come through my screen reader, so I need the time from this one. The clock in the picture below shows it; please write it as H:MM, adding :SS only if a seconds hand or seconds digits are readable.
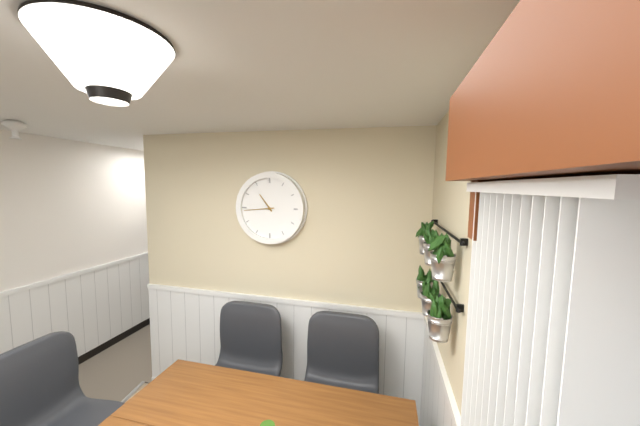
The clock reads 10:44
